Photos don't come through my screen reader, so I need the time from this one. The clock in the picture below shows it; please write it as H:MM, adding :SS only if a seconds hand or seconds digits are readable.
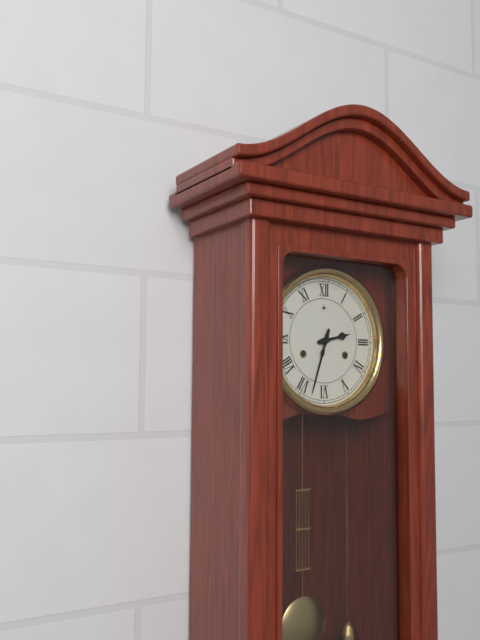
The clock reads 2:33
